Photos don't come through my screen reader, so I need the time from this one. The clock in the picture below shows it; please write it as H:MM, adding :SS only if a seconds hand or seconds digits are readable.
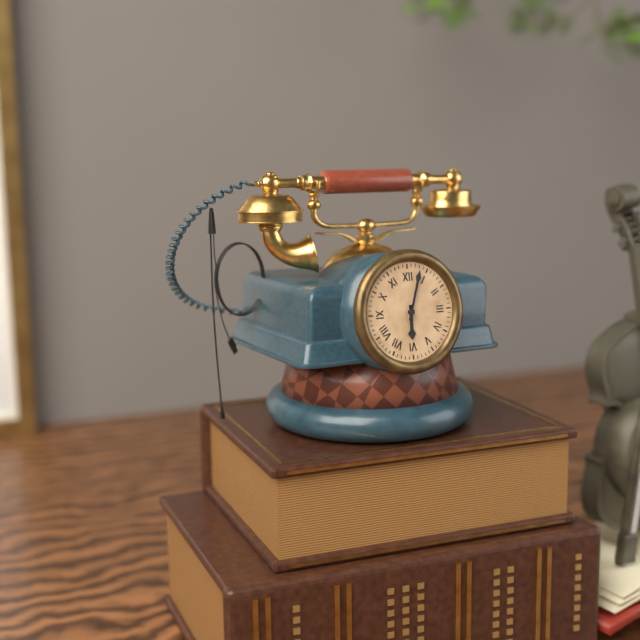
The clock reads 6:03
